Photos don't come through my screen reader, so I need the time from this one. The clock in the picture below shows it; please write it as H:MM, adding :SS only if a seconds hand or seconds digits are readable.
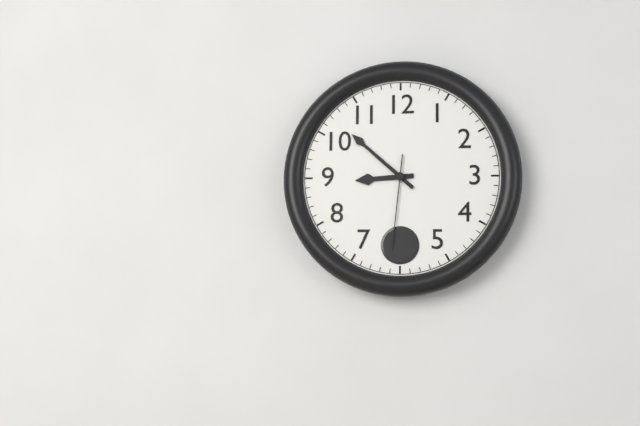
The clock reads 8:52:31
